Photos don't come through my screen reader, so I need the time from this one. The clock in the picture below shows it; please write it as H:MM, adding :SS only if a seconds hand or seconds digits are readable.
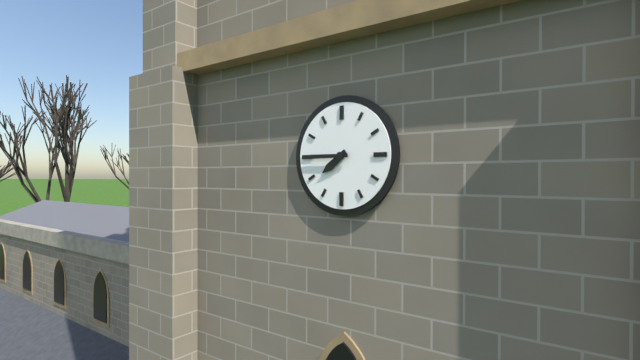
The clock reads 7:45
